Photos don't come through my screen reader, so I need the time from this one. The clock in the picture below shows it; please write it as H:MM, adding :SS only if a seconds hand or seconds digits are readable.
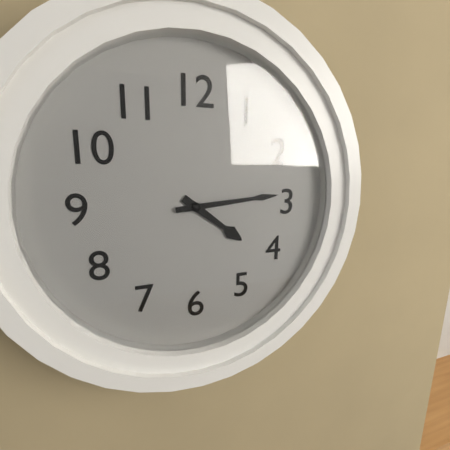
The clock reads 4:14
